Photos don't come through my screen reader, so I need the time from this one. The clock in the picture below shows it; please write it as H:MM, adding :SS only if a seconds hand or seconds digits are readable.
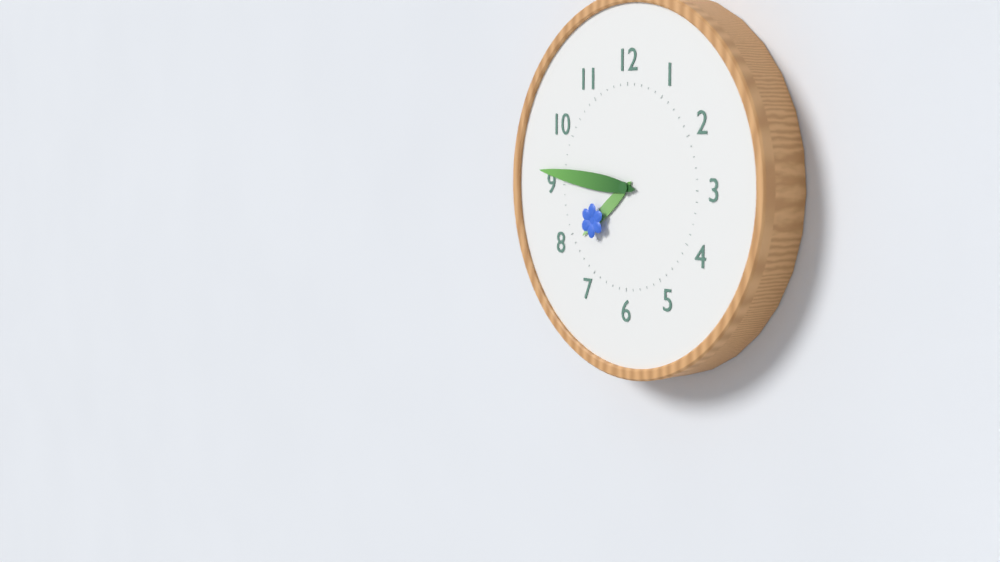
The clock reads 7:46
